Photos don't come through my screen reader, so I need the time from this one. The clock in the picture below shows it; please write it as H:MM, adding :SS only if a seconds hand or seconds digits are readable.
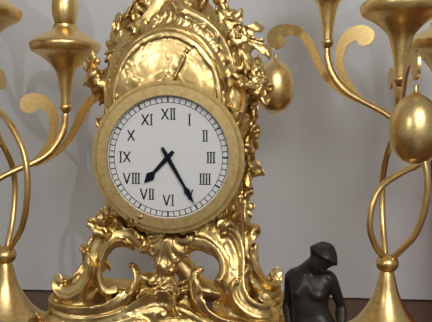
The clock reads 7:25
